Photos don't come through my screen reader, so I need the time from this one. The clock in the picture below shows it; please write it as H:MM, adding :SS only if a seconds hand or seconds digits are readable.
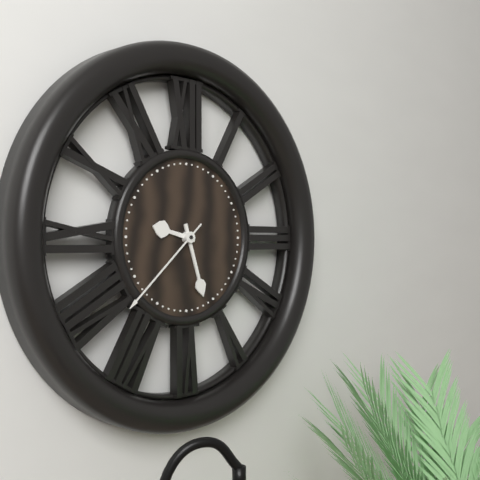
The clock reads 9:27:38
